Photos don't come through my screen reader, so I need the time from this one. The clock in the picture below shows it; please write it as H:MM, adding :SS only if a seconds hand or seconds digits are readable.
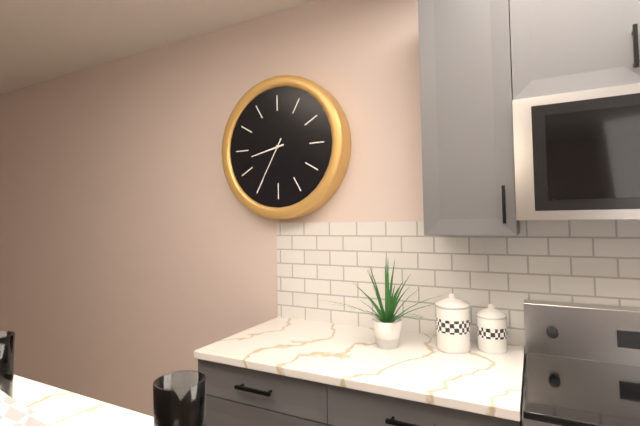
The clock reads 8:35
